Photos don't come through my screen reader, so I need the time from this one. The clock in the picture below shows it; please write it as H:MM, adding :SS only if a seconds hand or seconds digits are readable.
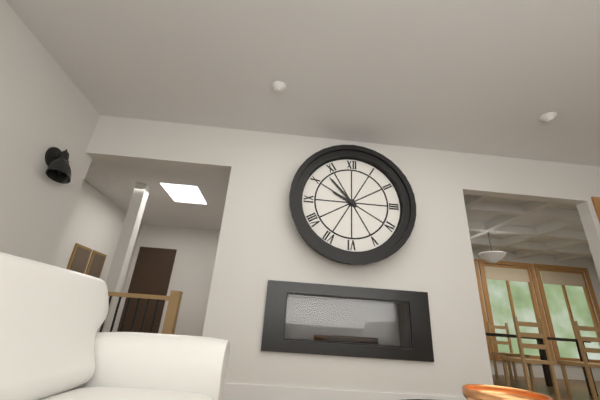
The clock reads 9:53
